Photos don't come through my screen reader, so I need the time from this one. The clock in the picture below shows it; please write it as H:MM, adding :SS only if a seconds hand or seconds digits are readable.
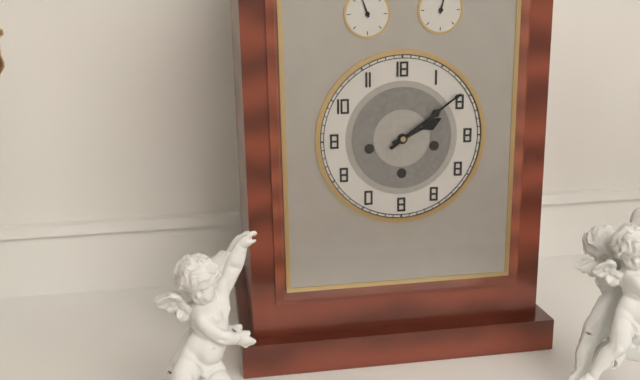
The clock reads 2:09
